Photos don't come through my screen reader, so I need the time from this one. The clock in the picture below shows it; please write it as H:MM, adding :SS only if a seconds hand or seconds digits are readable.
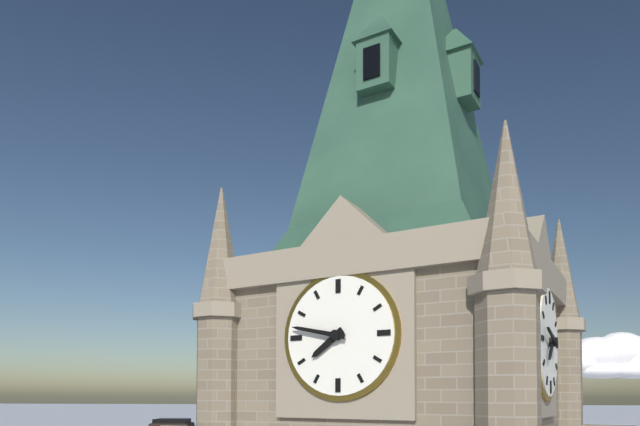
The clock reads 7:47
